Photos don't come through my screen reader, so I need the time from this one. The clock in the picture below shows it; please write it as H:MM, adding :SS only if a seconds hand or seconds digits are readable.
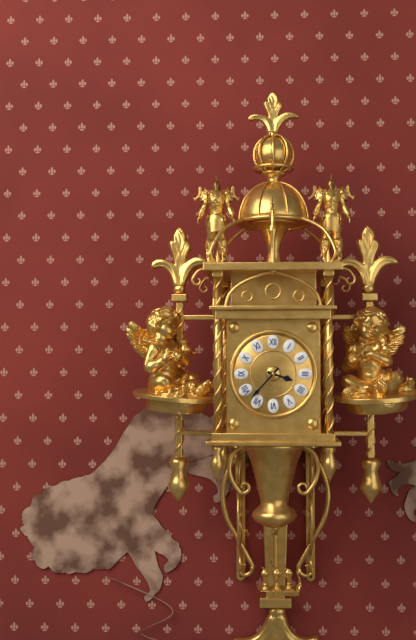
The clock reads 3:37
